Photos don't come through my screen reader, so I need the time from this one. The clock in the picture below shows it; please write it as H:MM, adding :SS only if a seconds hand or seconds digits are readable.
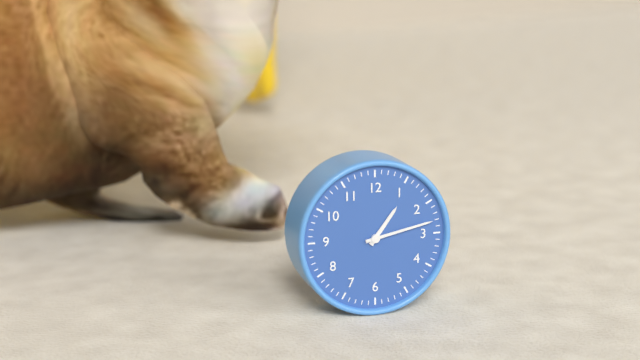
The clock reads 1:13
